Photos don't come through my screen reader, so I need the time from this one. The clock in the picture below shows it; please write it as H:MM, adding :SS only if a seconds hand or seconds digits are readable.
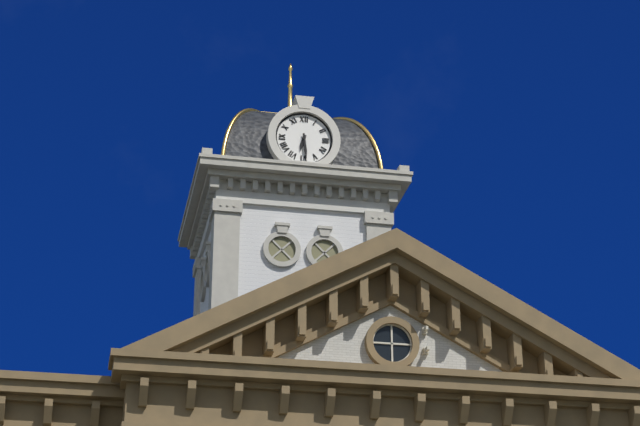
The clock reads 6:29
